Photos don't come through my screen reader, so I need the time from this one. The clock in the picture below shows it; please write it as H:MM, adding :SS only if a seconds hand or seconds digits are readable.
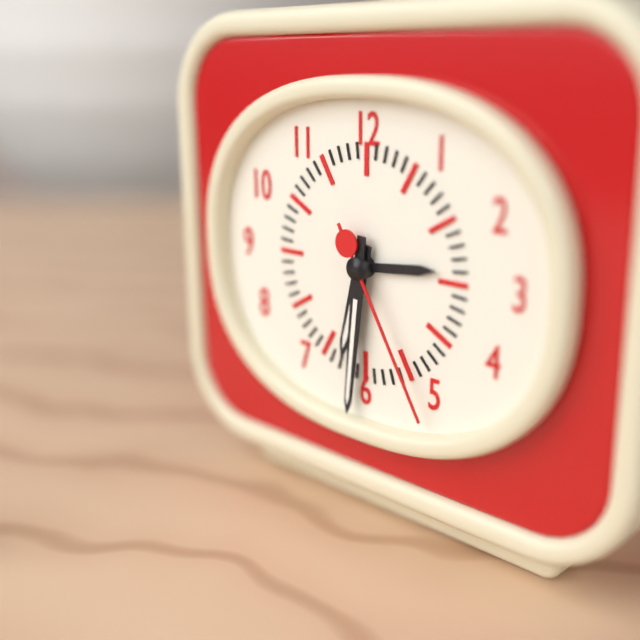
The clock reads 6:31:25
